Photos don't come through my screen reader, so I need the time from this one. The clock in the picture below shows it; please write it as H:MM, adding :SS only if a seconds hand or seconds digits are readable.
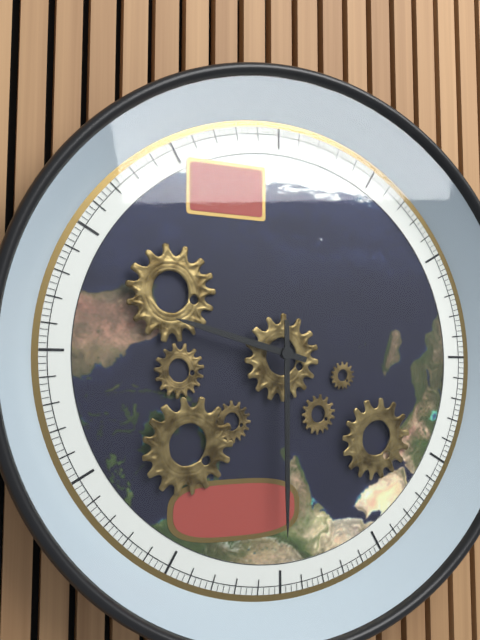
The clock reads 9:30
